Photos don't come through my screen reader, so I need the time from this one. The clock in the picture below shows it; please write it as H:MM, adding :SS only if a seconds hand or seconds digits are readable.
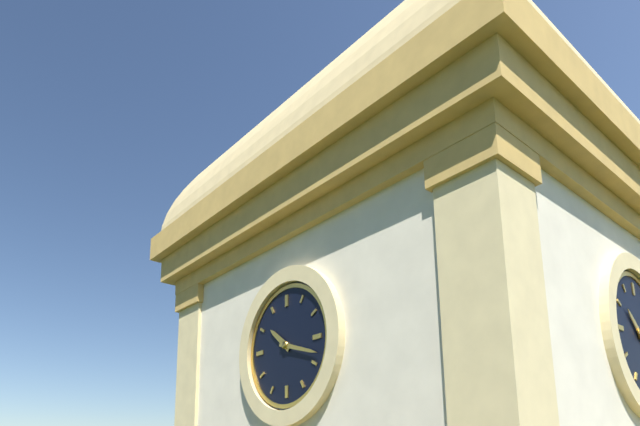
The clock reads 10:18
